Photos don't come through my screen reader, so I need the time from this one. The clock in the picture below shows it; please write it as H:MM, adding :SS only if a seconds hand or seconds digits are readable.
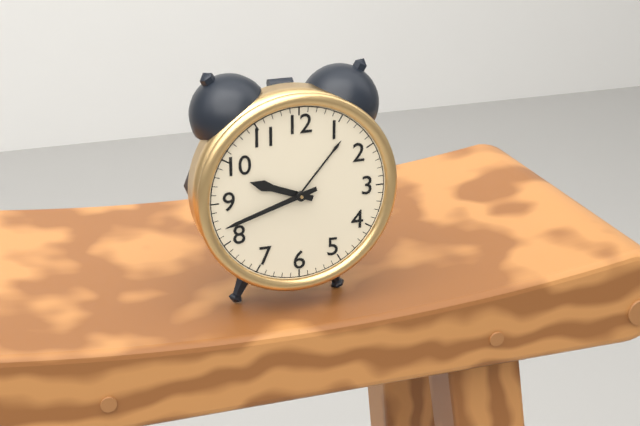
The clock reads 9:42
